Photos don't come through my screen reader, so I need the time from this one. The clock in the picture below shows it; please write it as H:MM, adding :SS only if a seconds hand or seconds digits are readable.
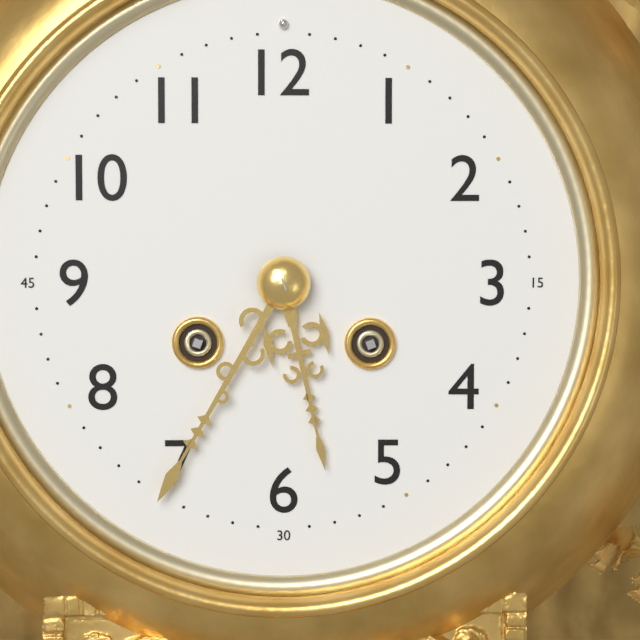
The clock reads 5:35
